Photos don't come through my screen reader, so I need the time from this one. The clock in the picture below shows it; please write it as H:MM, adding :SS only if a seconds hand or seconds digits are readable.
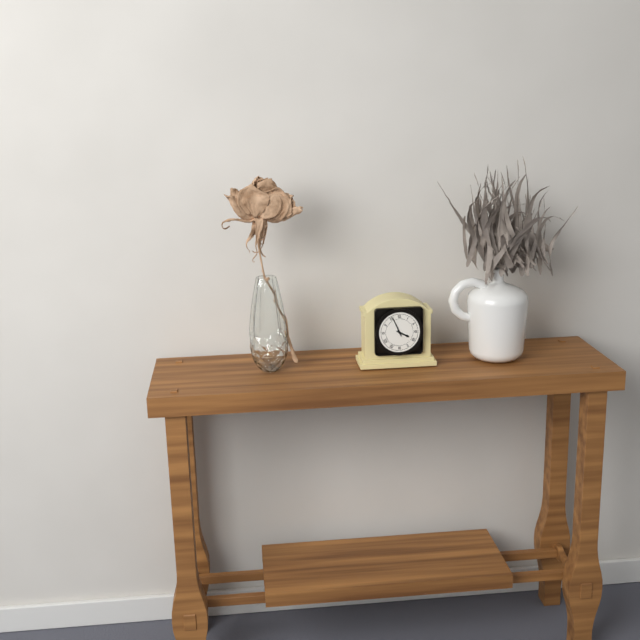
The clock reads 3:56
